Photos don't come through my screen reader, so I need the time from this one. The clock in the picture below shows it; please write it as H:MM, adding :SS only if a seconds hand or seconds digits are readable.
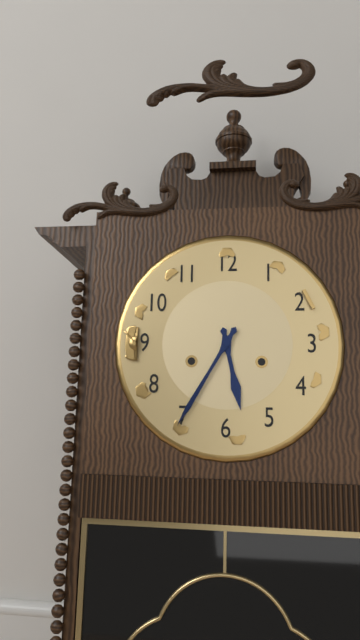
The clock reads 5:35
